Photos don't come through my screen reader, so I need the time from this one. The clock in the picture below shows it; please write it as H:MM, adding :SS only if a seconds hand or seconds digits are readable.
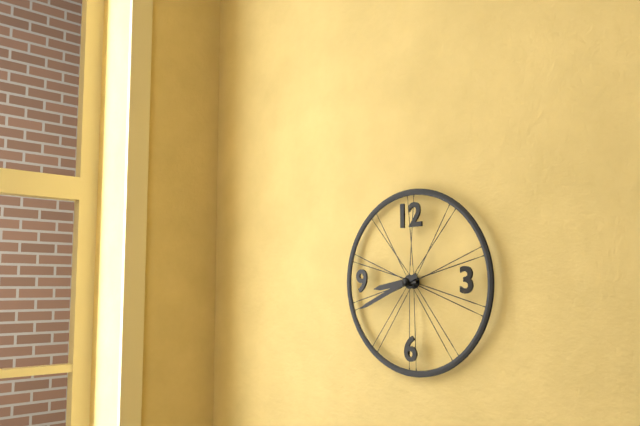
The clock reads 8:41
